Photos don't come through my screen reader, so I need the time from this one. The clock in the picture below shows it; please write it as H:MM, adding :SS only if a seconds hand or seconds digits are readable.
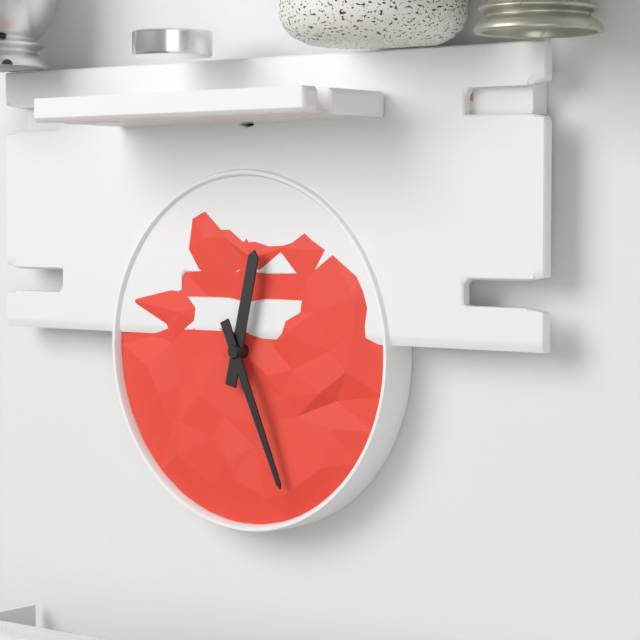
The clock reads 12:26
